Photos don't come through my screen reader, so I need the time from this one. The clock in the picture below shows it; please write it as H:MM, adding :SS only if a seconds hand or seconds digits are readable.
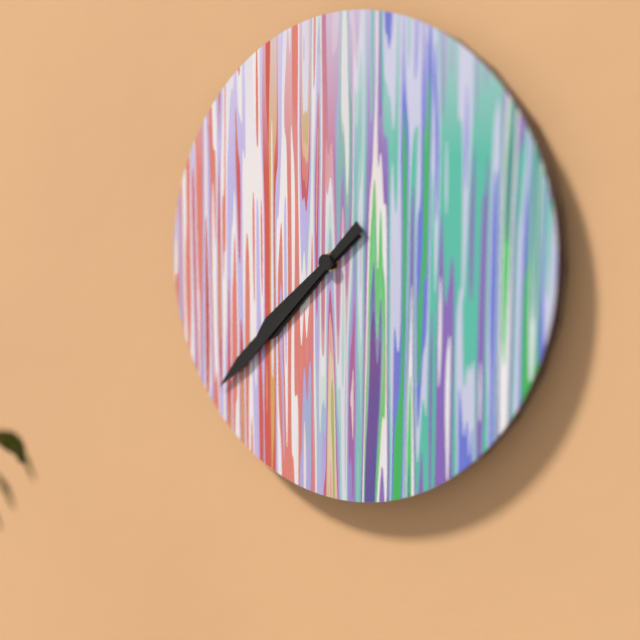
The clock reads 7:38
